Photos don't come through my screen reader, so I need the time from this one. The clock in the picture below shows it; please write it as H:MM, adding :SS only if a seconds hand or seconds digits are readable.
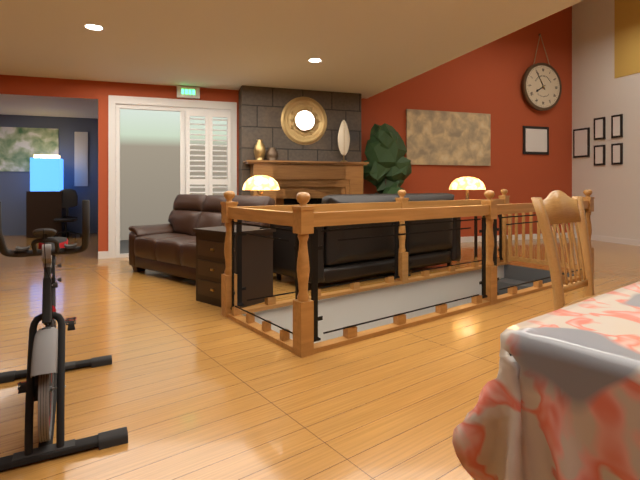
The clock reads 7:55
